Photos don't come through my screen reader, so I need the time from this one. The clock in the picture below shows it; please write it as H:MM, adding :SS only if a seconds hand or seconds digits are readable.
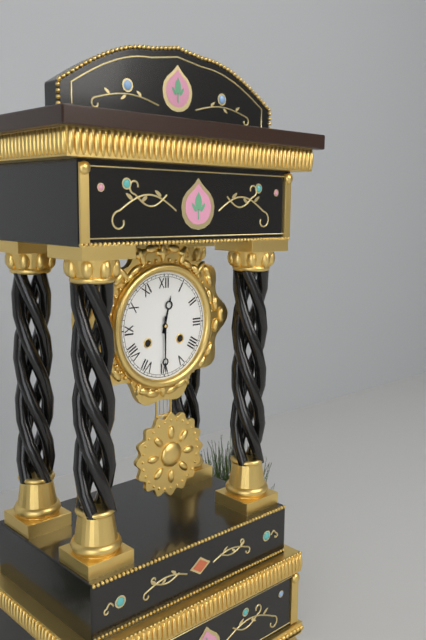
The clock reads 12:30
